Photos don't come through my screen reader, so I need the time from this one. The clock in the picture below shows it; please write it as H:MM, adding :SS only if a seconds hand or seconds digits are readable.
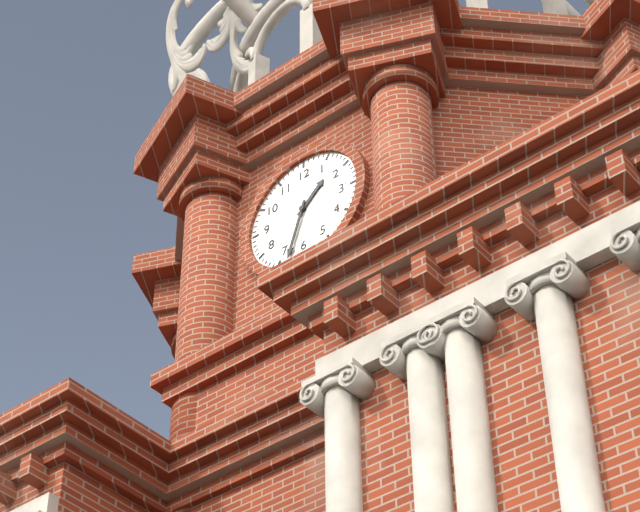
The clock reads 1:33
